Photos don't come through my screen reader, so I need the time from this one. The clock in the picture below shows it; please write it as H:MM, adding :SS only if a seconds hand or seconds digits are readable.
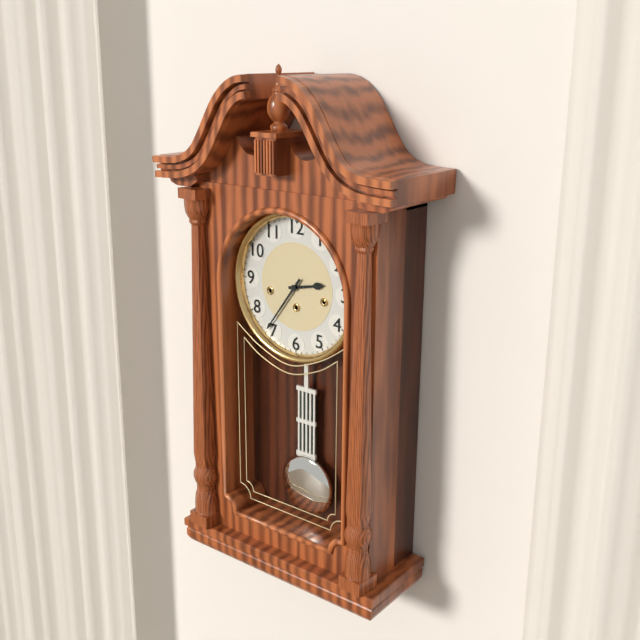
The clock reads 2:36
